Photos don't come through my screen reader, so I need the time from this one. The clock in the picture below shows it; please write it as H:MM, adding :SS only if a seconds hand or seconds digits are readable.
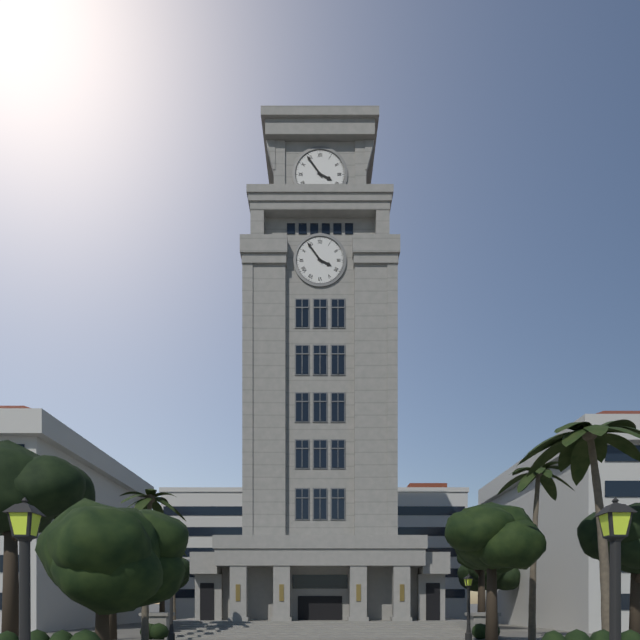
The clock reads 3:54
